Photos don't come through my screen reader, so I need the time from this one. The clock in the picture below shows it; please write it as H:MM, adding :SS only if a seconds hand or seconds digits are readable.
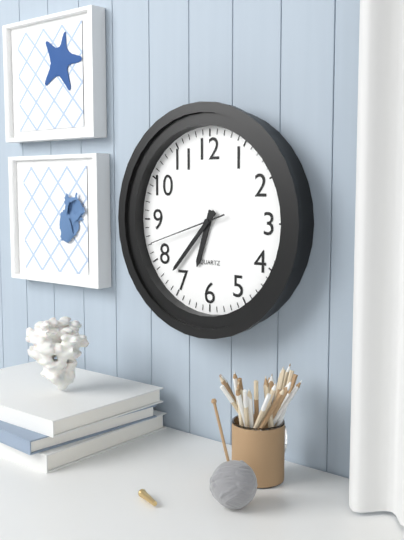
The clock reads 6:37:42
